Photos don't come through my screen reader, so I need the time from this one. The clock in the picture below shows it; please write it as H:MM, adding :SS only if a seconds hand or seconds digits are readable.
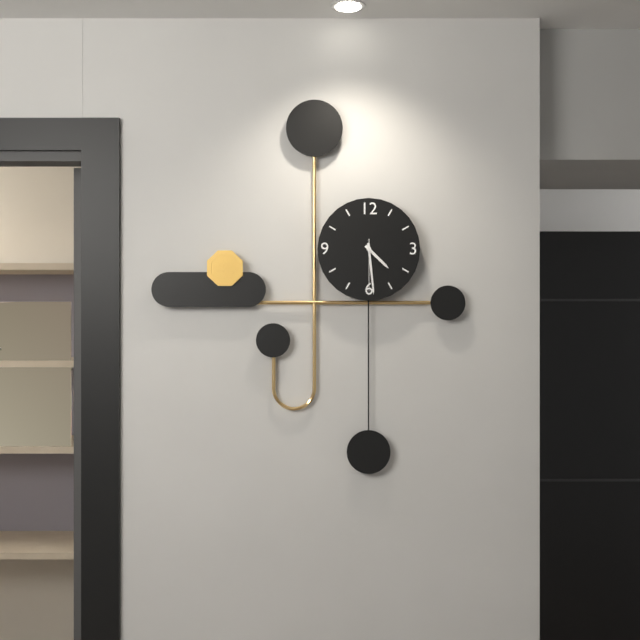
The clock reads 4:29:30
